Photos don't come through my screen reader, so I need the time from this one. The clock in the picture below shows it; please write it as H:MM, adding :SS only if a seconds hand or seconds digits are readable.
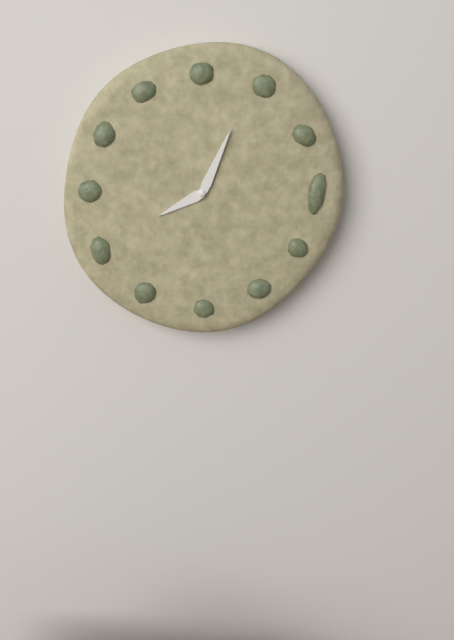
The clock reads 8:04
